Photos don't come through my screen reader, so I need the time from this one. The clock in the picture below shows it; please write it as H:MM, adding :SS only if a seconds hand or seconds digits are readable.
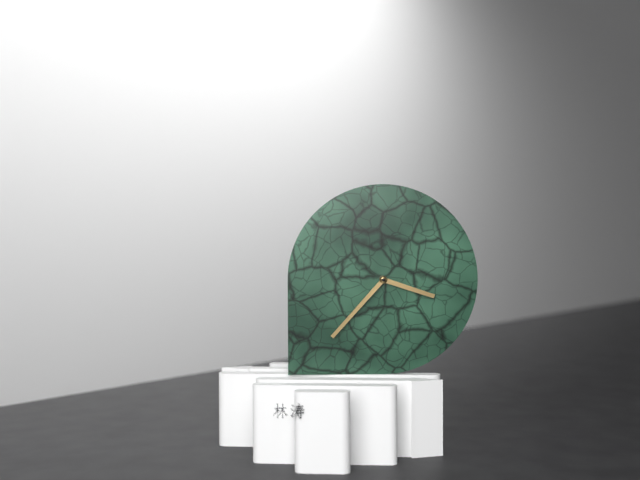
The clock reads 3:37
